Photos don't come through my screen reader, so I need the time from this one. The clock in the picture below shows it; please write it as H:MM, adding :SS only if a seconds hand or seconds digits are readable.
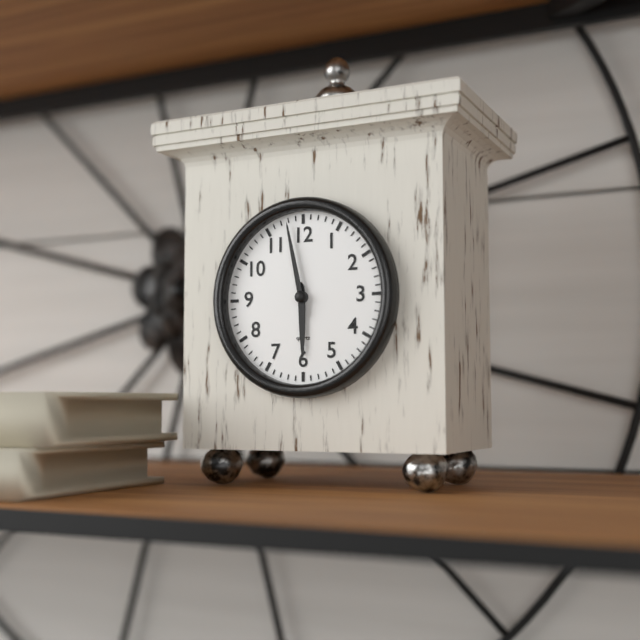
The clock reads 5:58
